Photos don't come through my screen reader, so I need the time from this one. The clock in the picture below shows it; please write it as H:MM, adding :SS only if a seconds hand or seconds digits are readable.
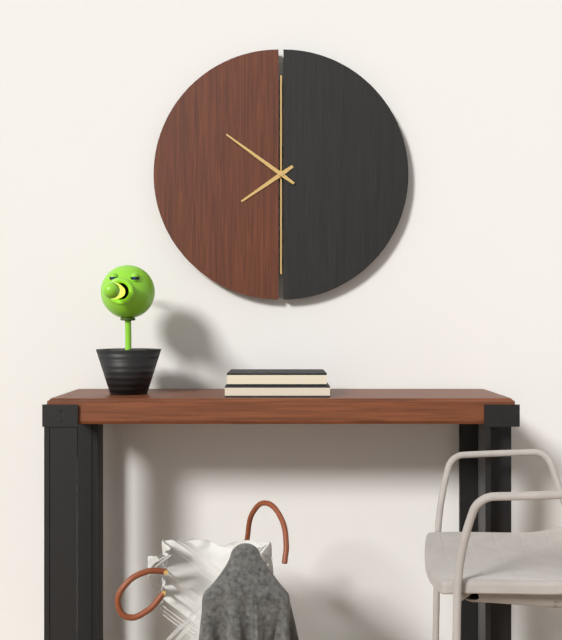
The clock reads 7:51
